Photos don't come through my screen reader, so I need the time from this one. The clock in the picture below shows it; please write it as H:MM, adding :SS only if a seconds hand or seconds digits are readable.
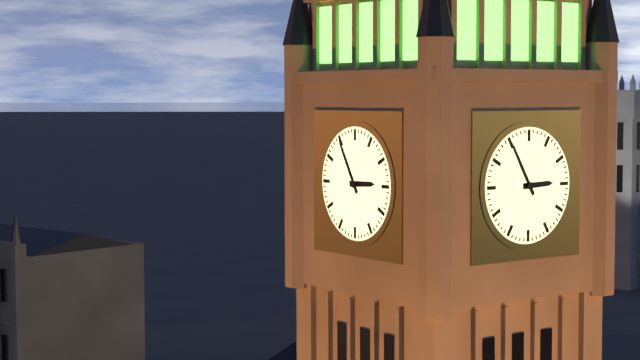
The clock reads 2:55
